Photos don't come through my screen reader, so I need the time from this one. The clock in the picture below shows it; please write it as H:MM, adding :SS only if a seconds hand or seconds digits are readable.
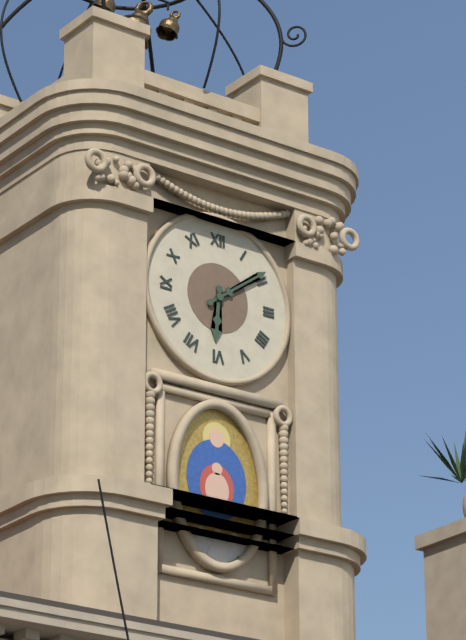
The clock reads 6:09
